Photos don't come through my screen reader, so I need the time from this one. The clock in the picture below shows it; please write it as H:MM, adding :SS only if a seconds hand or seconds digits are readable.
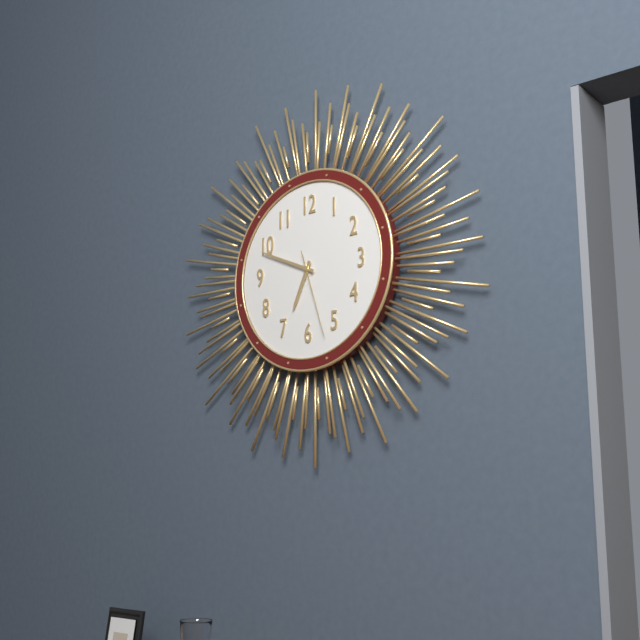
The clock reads 6:49:27
